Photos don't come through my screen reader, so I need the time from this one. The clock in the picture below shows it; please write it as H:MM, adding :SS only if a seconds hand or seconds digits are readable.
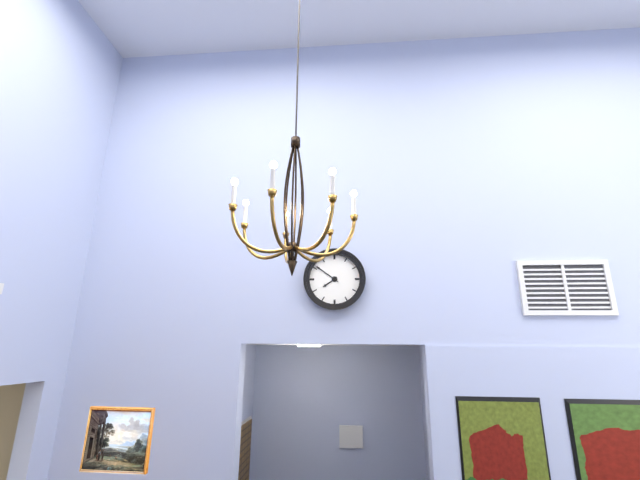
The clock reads 7:51
